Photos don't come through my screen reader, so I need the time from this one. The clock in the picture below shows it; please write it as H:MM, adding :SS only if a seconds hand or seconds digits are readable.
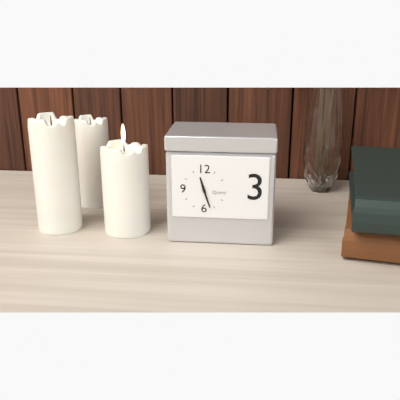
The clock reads 11:27
